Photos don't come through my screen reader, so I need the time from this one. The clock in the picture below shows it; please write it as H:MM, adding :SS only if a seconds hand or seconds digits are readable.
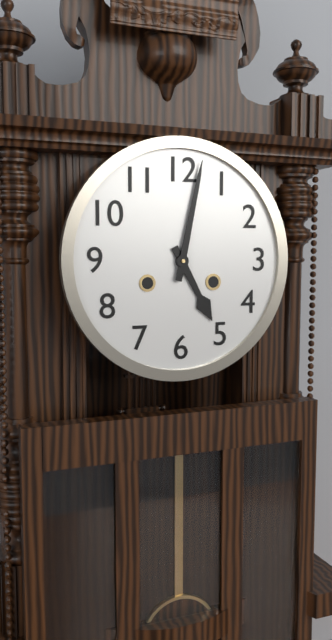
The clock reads 5:02
